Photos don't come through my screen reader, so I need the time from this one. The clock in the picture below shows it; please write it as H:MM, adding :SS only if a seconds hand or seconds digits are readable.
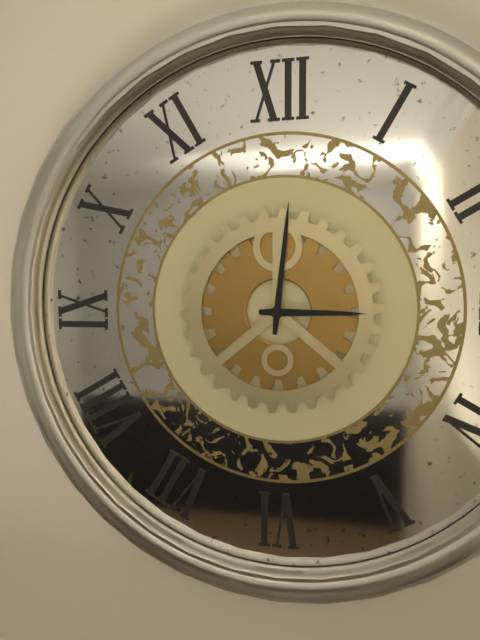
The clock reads 3:01
